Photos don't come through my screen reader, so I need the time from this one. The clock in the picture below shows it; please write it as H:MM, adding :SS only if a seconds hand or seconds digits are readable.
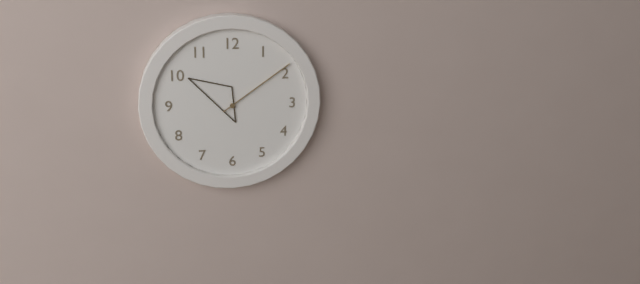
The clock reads 10:09
